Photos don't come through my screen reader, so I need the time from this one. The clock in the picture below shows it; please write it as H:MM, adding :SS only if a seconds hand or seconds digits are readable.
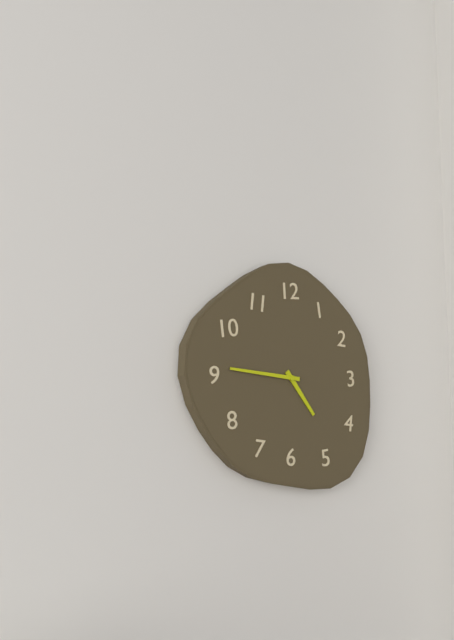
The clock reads 4:46
